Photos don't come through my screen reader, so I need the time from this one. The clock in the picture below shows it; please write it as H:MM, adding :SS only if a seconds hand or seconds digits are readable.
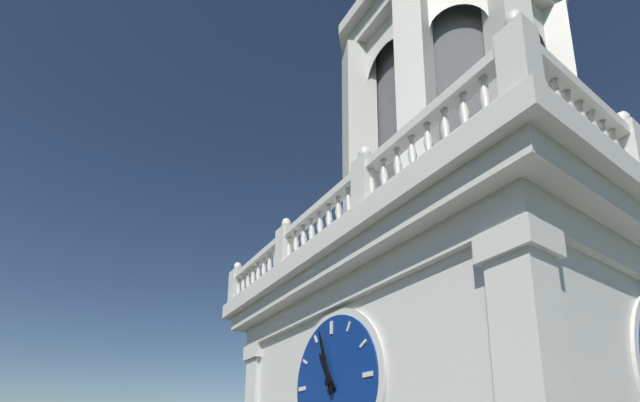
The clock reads 10:57
